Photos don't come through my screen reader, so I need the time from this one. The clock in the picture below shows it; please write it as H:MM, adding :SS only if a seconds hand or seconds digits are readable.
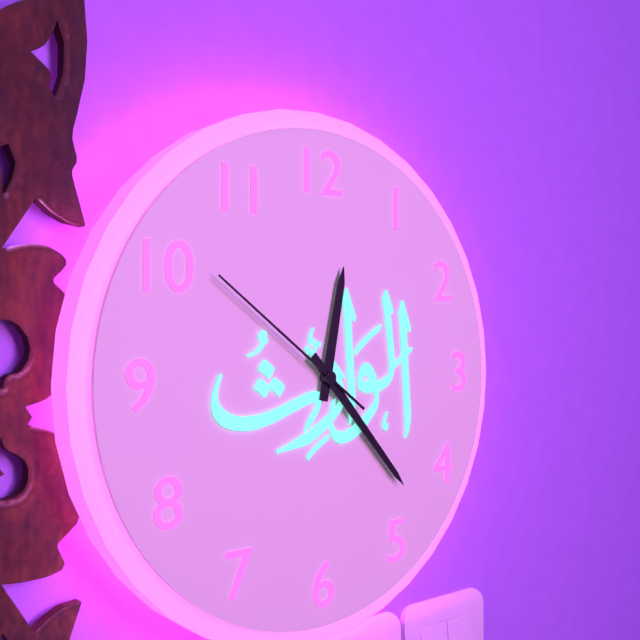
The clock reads 12:23:51
